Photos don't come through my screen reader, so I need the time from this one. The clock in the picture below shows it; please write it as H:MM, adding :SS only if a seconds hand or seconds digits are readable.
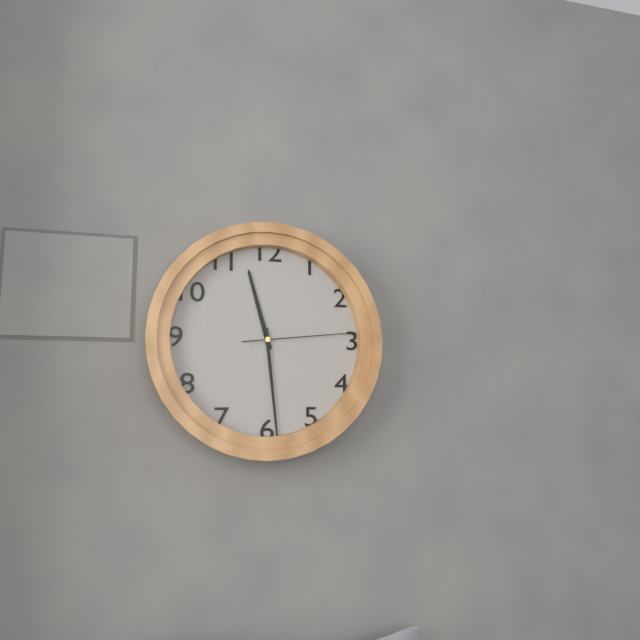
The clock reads 11:29:14
